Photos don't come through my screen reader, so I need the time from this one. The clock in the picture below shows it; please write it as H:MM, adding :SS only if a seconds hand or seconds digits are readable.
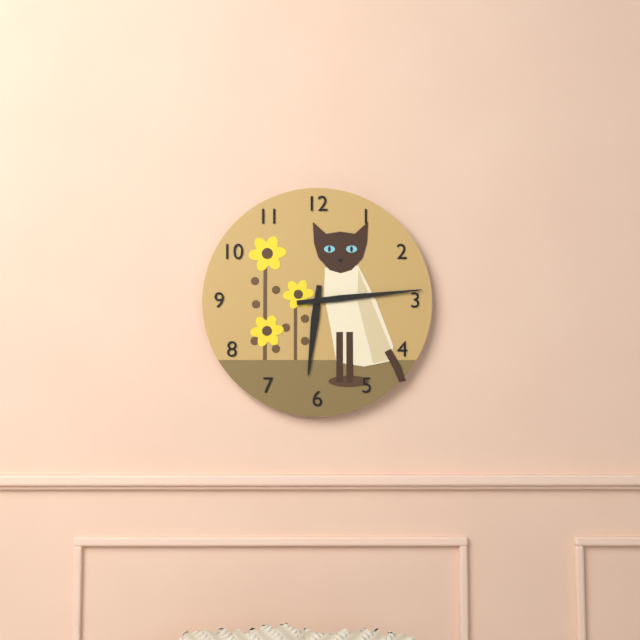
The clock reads 6:14
